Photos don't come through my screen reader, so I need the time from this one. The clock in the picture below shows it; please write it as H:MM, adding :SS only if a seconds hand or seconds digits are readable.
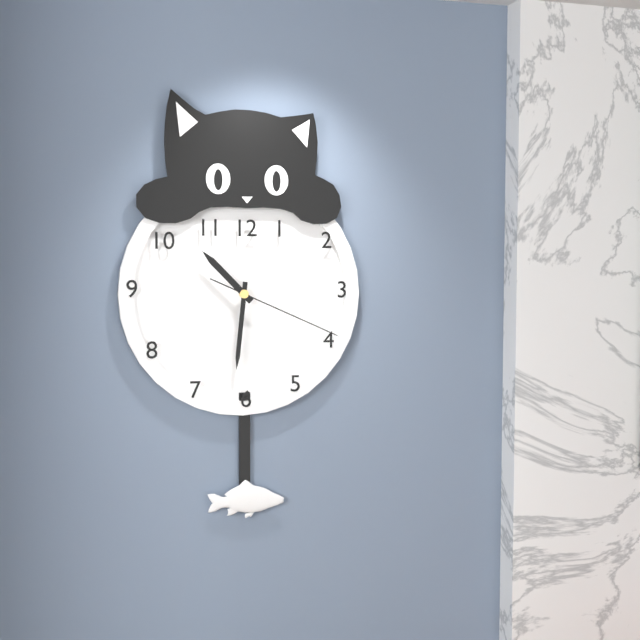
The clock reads 10:31:19
